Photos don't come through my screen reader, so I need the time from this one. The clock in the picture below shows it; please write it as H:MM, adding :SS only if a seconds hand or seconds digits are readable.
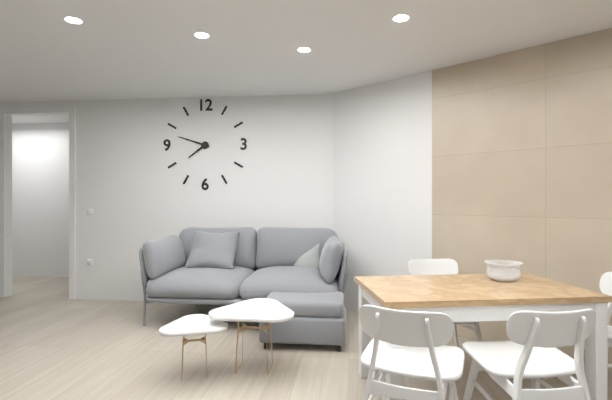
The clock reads 7:48
